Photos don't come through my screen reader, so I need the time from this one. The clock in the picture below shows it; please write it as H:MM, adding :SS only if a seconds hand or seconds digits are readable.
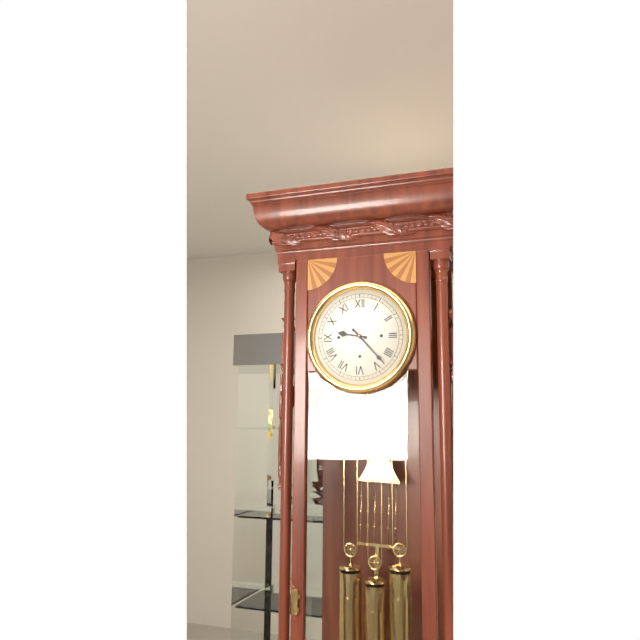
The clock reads 9:23
